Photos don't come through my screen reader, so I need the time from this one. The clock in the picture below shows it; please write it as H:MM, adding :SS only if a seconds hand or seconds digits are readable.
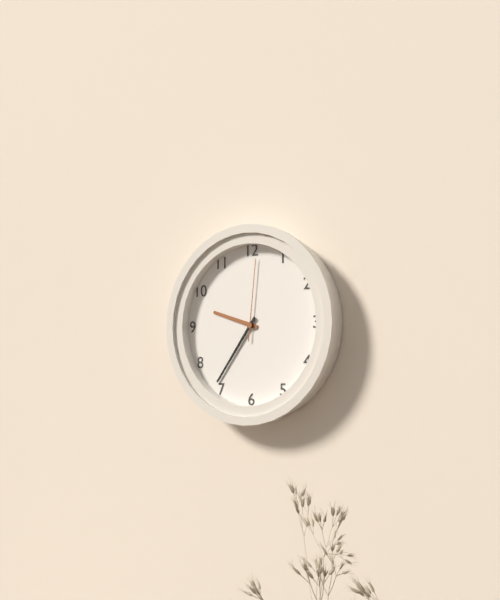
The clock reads 9:36:01
